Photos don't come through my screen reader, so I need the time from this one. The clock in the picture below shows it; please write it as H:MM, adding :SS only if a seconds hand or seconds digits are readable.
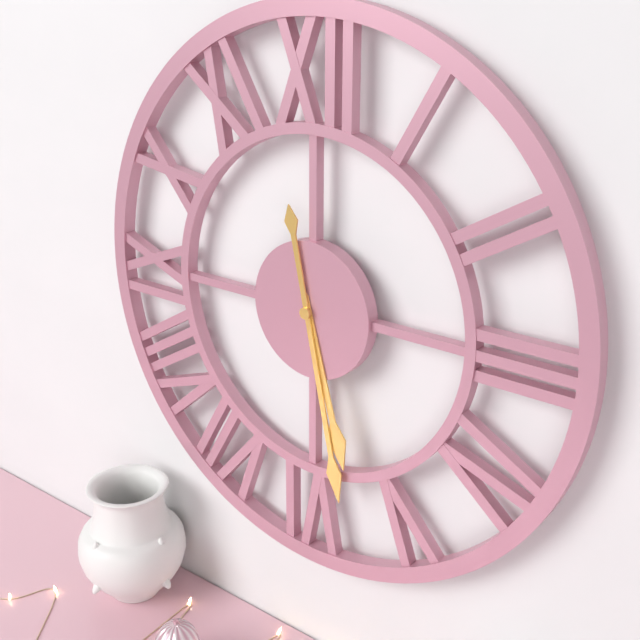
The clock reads 5:28
